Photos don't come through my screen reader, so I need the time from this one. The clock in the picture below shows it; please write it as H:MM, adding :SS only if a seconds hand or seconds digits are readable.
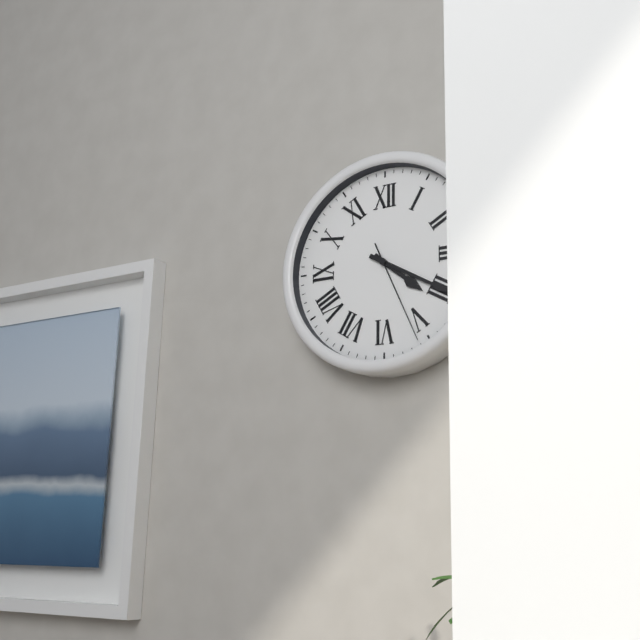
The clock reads 4:20:26
